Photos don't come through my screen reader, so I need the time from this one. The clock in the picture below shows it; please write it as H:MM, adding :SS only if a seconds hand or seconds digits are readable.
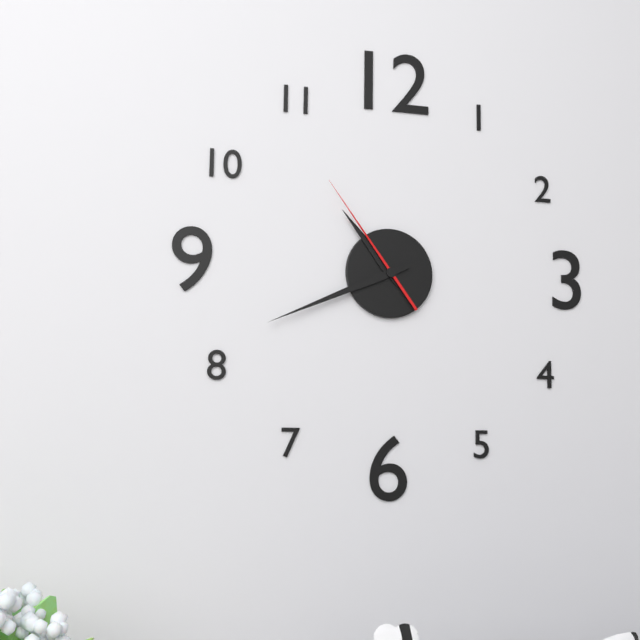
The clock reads 10:41:54
